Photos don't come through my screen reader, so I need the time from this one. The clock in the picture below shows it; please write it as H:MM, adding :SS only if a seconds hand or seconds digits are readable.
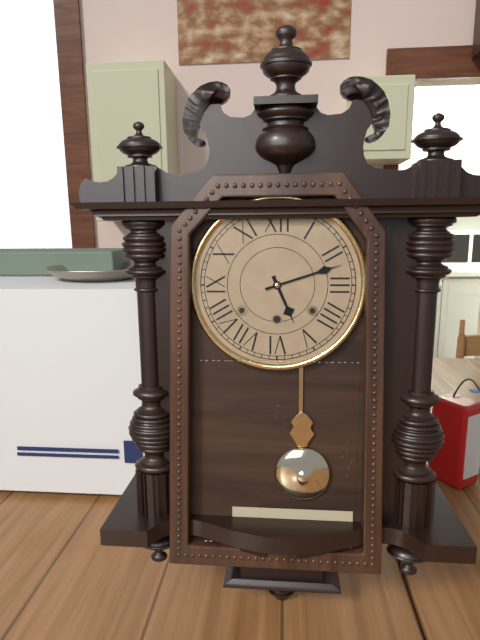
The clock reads 5:12
